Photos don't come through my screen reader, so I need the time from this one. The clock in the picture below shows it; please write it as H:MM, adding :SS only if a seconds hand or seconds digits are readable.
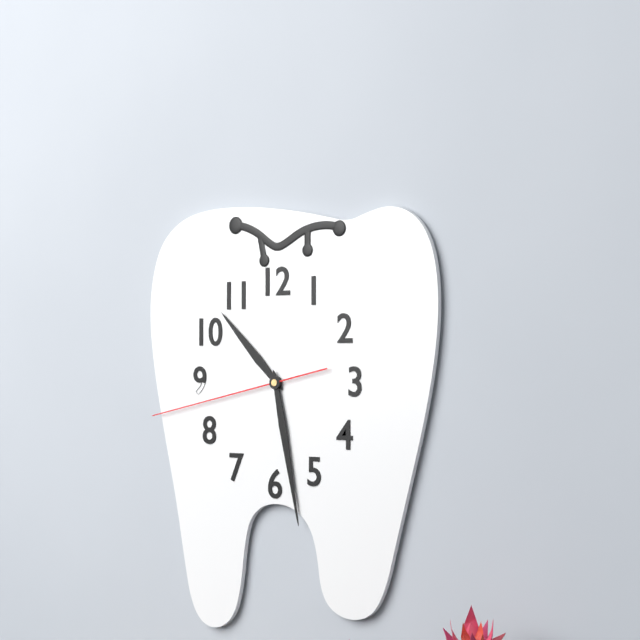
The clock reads 10:28:43
